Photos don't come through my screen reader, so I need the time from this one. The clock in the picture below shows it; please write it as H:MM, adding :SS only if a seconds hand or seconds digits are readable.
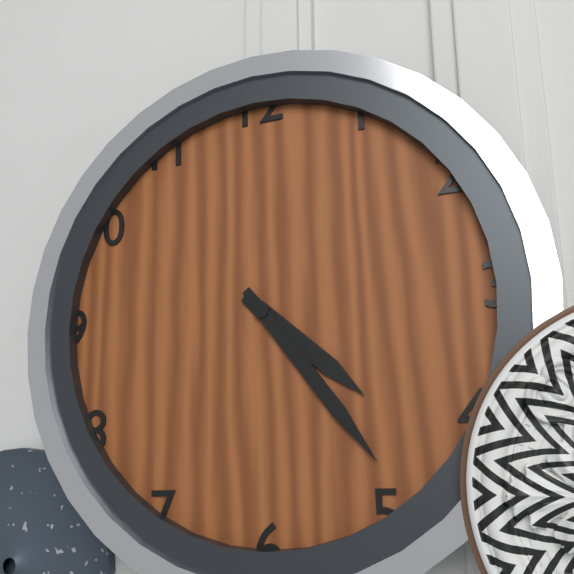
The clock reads 4:24
